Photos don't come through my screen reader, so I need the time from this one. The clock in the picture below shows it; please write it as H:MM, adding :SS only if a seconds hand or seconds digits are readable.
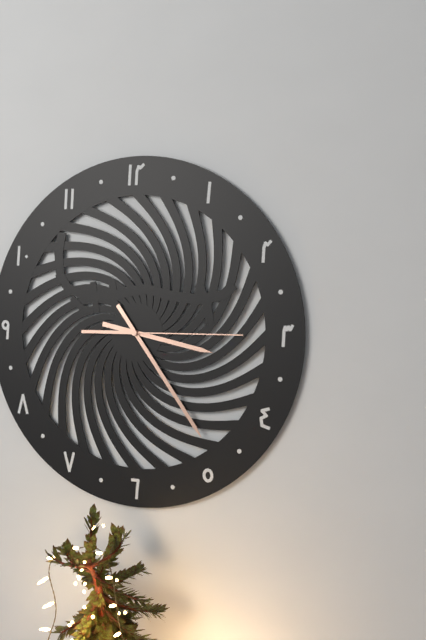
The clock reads 3:24:15
